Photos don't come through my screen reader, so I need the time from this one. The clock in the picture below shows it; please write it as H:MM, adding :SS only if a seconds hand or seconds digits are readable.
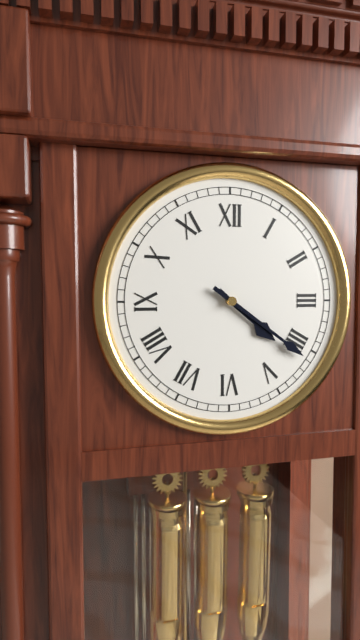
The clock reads 4:21
